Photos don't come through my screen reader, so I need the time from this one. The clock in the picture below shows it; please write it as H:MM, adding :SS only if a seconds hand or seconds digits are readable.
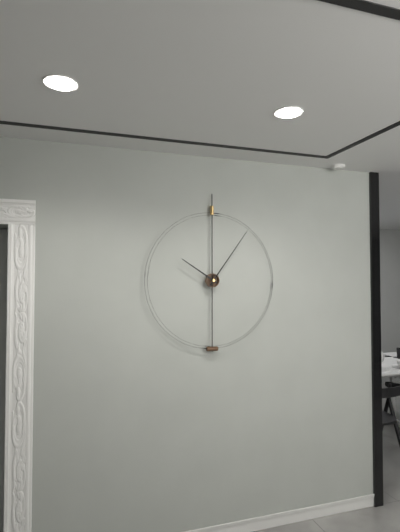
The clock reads 10:06
